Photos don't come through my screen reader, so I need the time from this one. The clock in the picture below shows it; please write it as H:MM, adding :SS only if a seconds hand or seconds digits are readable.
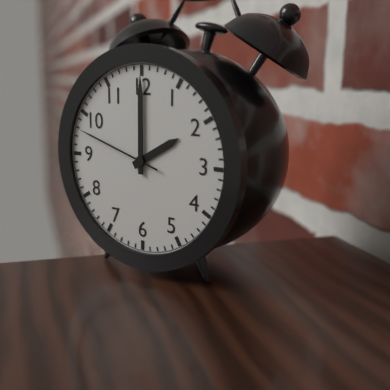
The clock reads 2:00:48
